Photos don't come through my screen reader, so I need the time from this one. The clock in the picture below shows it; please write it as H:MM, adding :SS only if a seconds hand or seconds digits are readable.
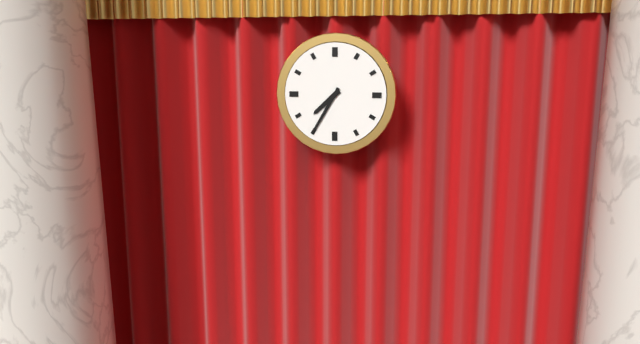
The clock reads 7:35
